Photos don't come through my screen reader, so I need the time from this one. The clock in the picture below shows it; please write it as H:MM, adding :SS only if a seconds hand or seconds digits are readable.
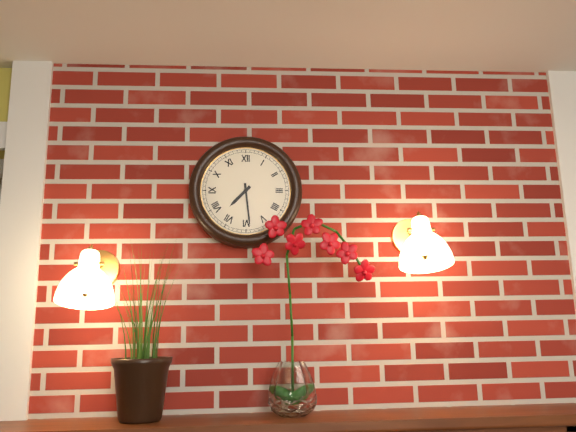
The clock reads 7:29
